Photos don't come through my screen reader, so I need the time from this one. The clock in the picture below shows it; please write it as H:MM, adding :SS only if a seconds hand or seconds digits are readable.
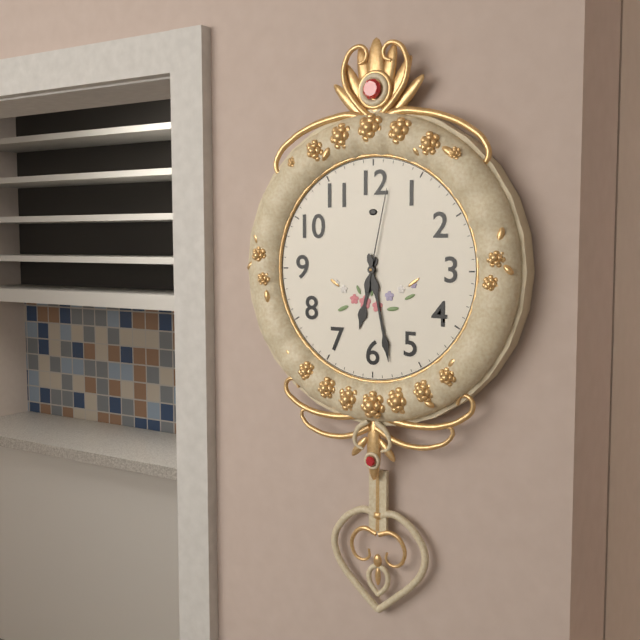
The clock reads 6:28:02
